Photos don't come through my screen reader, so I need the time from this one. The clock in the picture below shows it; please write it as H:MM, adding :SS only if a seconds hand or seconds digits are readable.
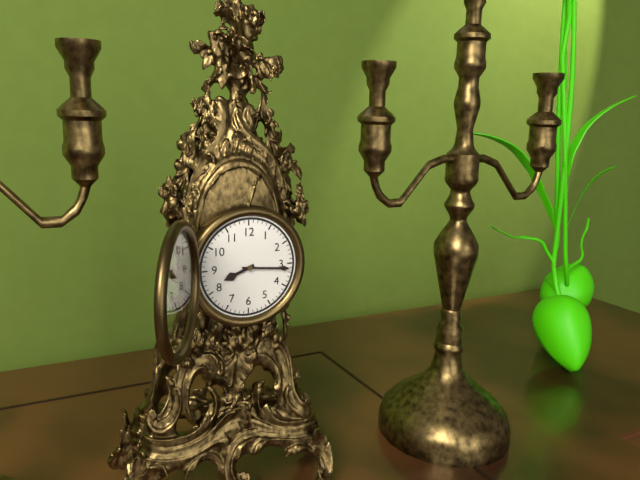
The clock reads 8:16
